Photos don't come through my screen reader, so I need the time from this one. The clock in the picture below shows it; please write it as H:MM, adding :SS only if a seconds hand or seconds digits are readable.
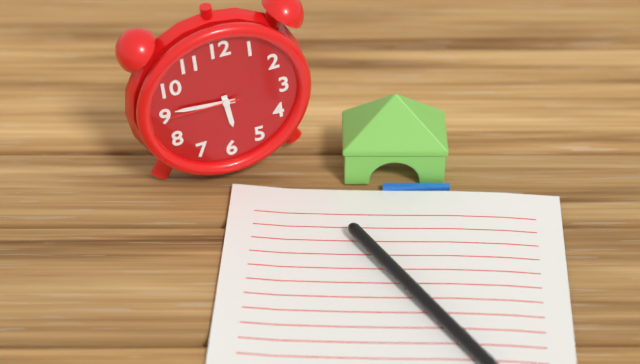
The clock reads 5:46:45
